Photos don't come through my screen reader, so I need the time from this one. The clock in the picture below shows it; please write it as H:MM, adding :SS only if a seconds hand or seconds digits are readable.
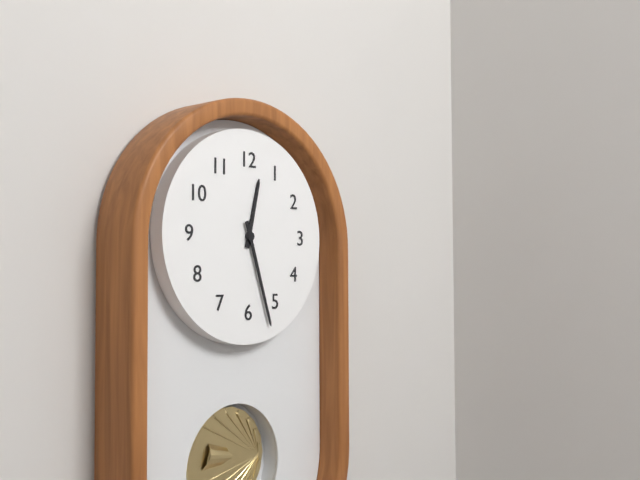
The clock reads 12:27
